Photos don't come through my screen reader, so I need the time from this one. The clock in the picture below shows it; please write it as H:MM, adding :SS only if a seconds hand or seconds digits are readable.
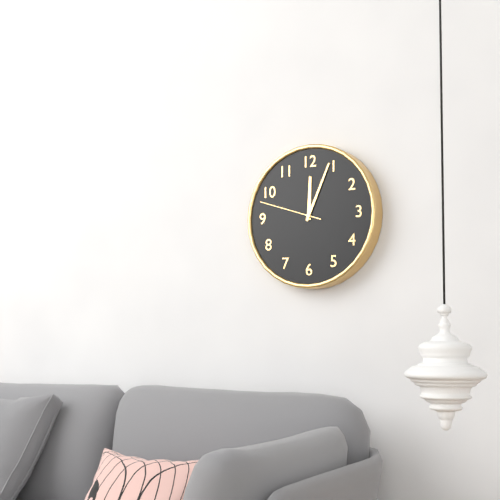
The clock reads 12:04:48
